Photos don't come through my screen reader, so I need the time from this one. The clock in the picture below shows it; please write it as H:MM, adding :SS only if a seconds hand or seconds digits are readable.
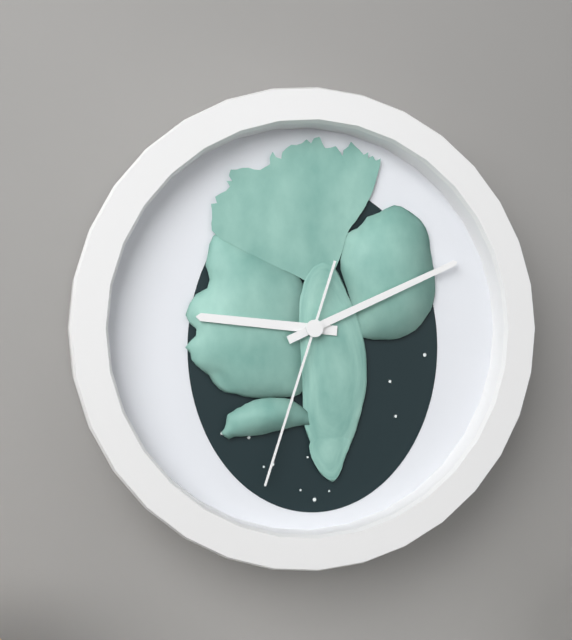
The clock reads 9:11:33
